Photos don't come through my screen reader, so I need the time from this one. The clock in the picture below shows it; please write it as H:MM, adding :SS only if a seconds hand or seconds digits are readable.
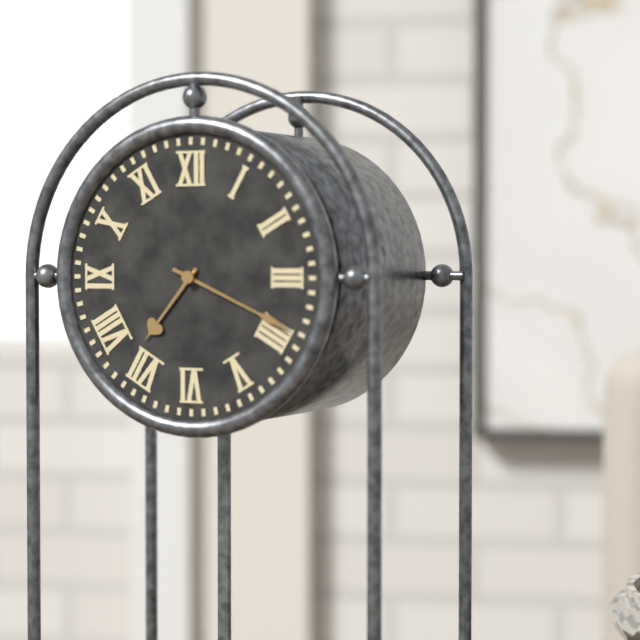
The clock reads 7:19
